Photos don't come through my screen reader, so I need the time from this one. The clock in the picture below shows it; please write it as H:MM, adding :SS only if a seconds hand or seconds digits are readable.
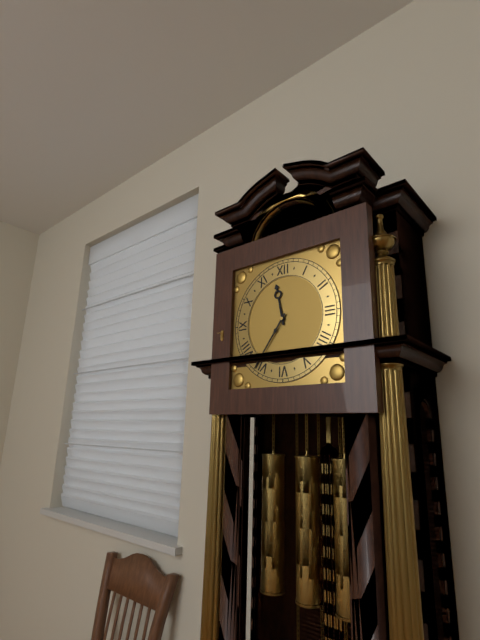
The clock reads 11:36
